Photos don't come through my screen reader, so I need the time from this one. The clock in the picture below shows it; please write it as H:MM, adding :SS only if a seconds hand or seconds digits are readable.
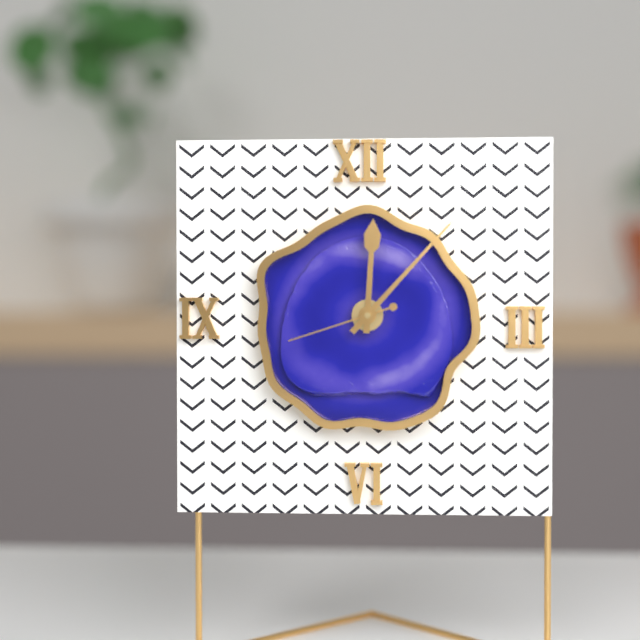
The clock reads 12:07:42
